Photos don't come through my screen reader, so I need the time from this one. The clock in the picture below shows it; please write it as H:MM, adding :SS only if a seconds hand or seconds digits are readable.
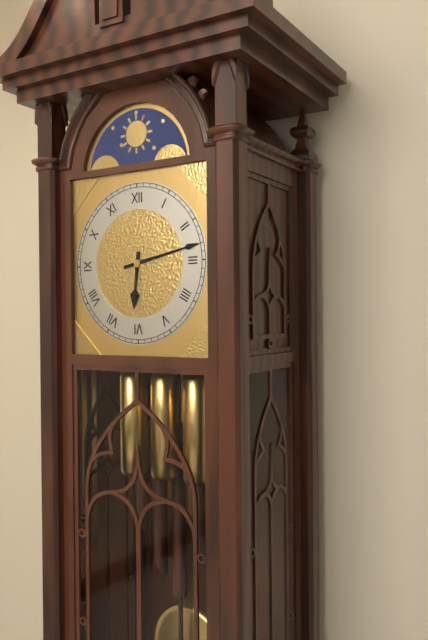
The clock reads 6:13
